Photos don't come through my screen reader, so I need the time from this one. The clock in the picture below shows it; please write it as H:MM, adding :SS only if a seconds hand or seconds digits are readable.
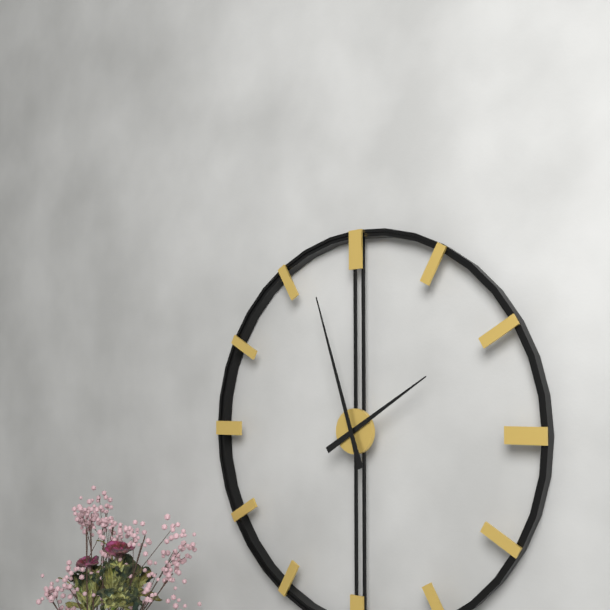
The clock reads 1:57
